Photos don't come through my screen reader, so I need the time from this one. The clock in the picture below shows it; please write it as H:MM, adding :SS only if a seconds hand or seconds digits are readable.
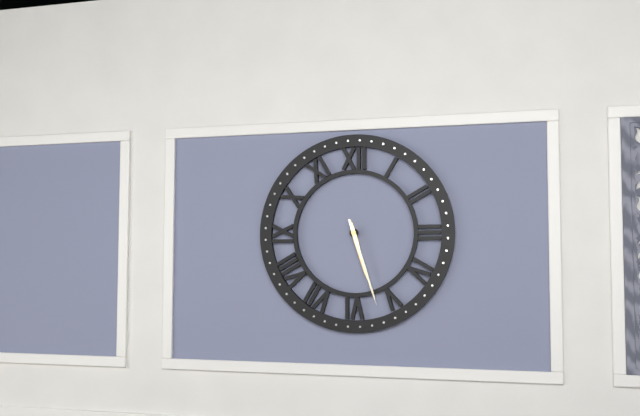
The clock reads 5:27
